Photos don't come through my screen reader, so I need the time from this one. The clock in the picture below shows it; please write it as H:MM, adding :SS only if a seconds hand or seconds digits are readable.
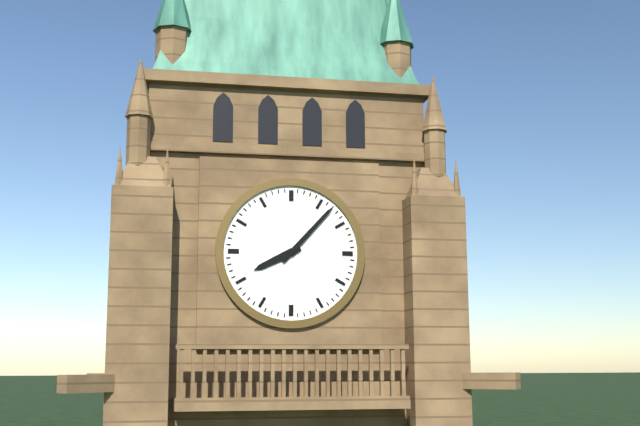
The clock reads 8:07
